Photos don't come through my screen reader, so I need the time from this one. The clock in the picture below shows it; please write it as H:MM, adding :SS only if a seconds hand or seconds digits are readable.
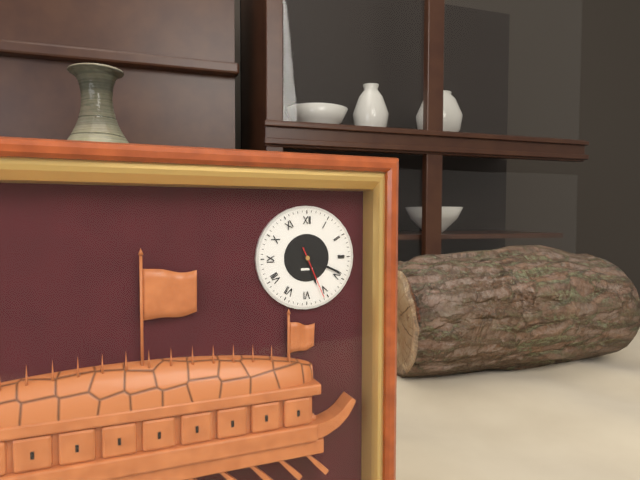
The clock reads 5:19:26
